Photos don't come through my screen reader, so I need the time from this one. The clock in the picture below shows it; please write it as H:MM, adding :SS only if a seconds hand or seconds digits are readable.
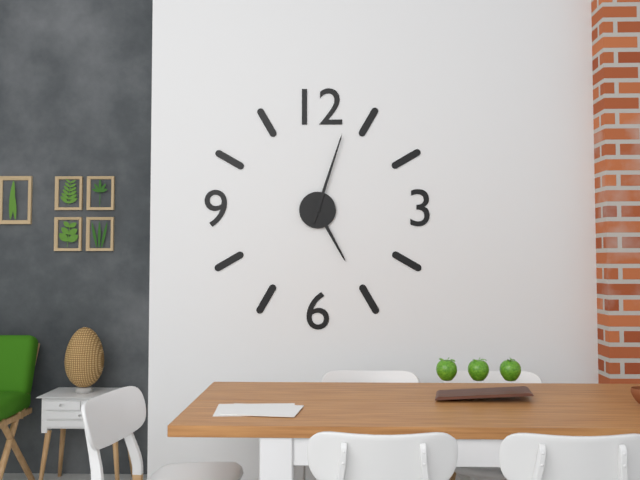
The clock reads 5:03
